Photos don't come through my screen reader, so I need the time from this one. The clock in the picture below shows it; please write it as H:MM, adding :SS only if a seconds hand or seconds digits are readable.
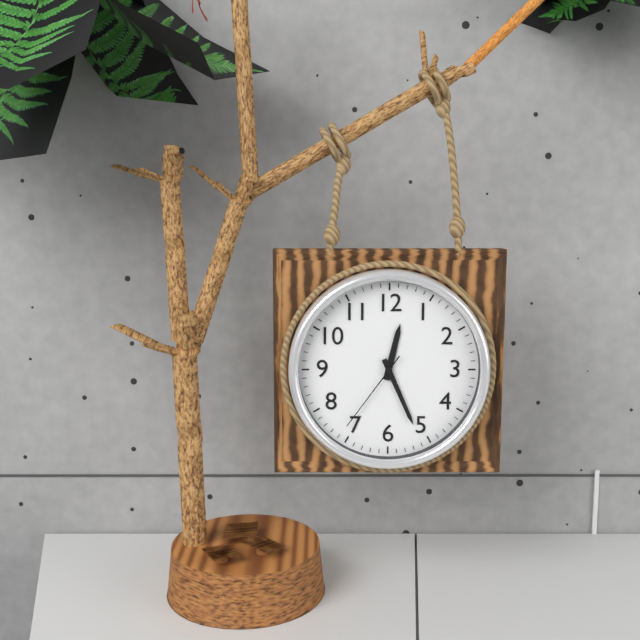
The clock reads 12:26:36
